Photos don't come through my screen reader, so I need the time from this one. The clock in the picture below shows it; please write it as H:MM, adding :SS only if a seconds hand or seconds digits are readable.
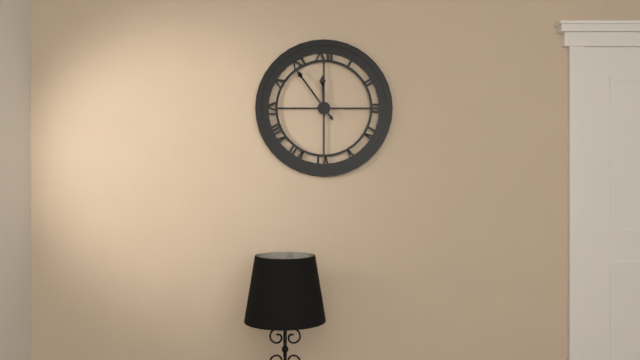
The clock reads 11:54
